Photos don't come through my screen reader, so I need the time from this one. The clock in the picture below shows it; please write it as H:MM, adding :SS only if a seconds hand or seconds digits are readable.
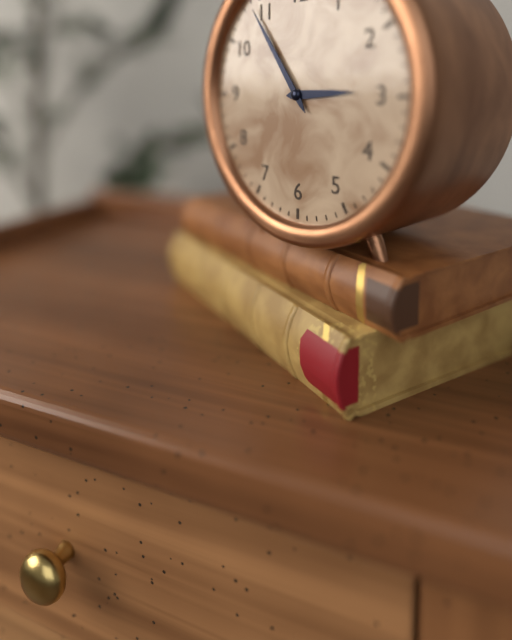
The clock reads 2:54
